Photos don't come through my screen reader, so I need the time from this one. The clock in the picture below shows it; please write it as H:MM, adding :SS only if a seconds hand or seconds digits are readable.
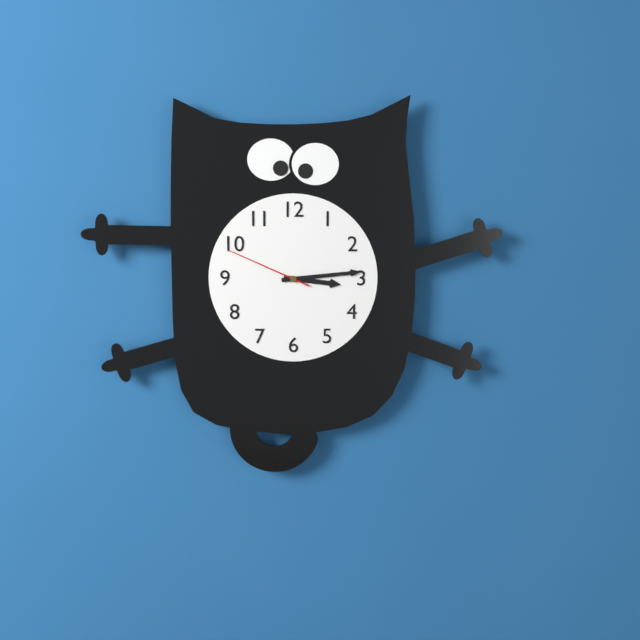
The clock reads 3:14:49
